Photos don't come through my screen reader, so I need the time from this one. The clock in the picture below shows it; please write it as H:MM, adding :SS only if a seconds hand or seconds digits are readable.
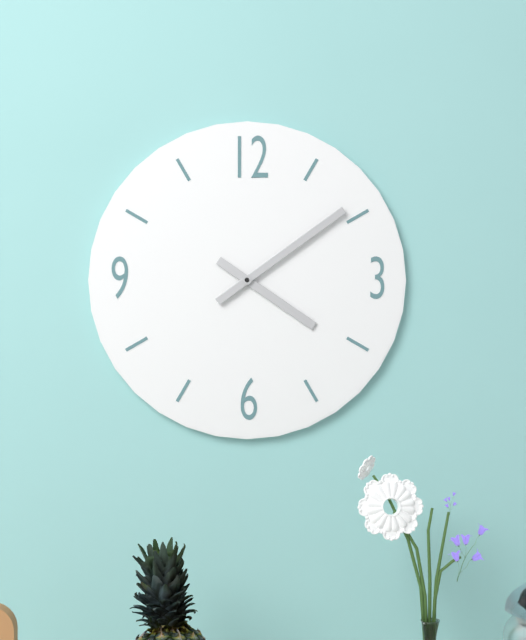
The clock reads 4:09
